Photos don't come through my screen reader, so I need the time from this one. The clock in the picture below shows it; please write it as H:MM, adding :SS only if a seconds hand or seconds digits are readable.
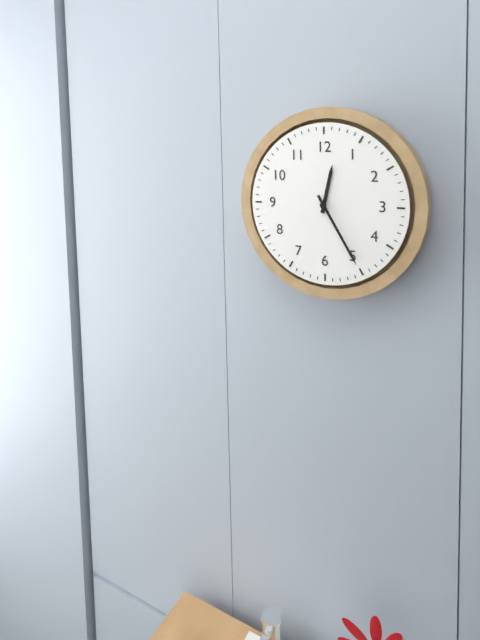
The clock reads 12:25
